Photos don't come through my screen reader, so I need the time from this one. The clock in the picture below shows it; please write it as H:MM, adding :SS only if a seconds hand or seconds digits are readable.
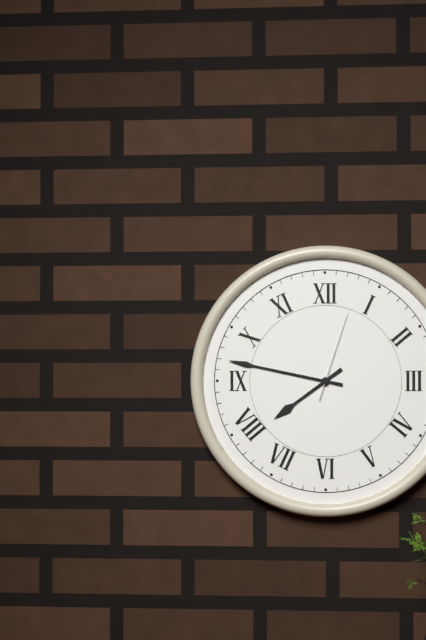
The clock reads 7:47:03
